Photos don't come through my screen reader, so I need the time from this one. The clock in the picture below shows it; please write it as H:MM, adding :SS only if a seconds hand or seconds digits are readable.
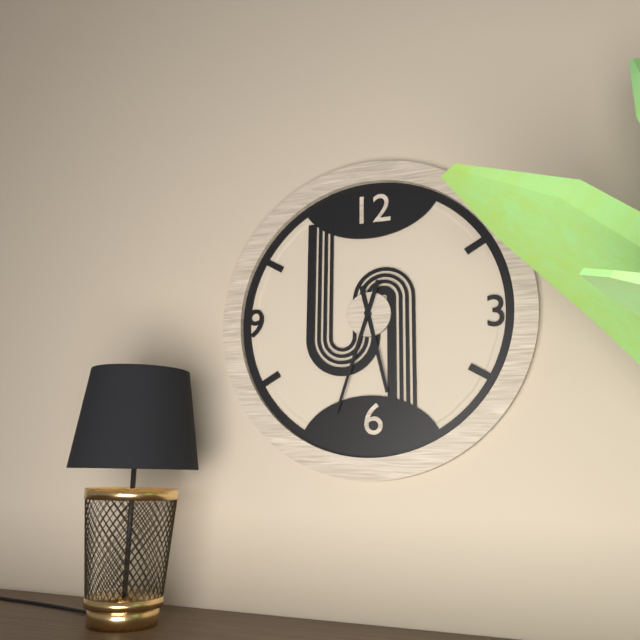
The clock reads 5:33
